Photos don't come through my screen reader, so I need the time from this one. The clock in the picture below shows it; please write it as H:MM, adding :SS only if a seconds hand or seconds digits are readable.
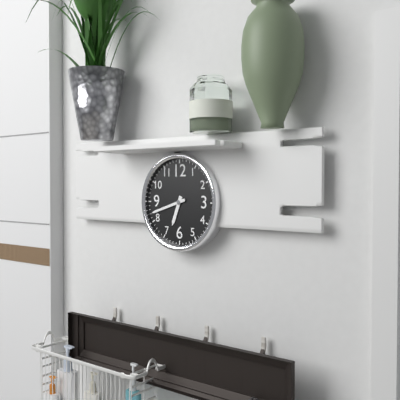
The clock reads 6:42
